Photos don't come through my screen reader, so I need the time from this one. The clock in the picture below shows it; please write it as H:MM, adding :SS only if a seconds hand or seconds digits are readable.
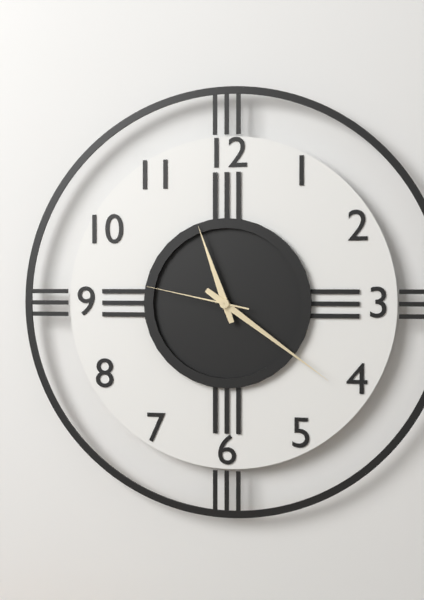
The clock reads 11:21:47
